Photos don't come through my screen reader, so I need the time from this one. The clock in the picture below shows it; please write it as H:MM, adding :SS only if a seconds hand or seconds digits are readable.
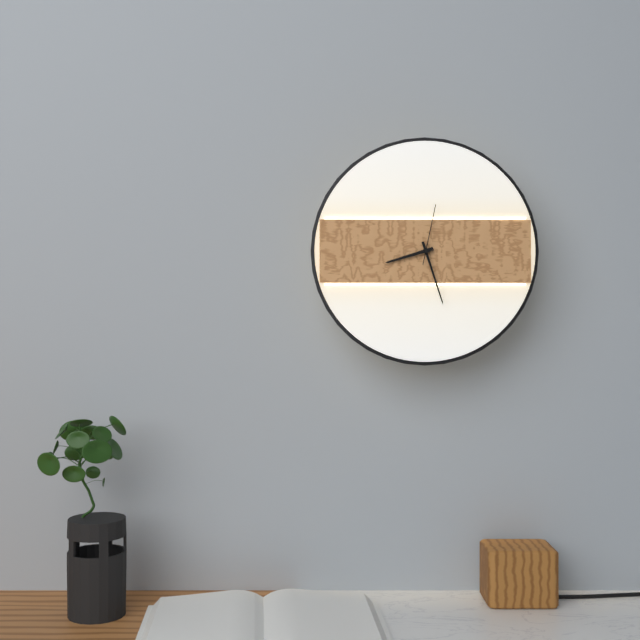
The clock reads 8:27:02
